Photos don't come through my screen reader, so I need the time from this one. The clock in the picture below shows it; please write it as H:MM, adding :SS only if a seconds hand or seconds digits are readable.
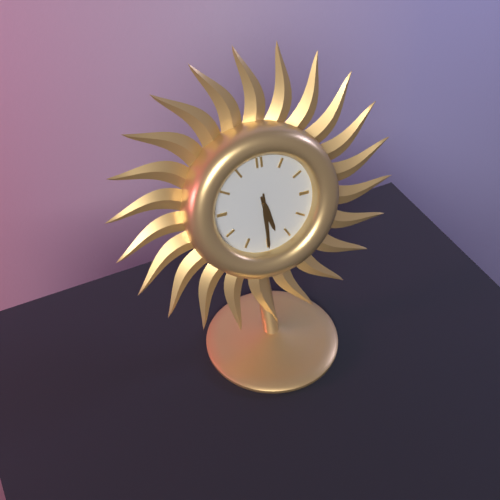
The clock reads 5:30
